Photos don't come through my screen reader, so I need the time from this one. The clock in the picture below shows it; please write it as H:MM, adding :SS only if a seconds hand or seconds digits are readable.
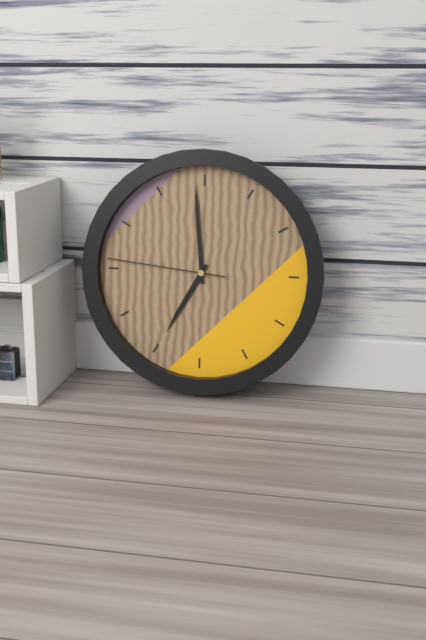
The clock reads 6:59:46
